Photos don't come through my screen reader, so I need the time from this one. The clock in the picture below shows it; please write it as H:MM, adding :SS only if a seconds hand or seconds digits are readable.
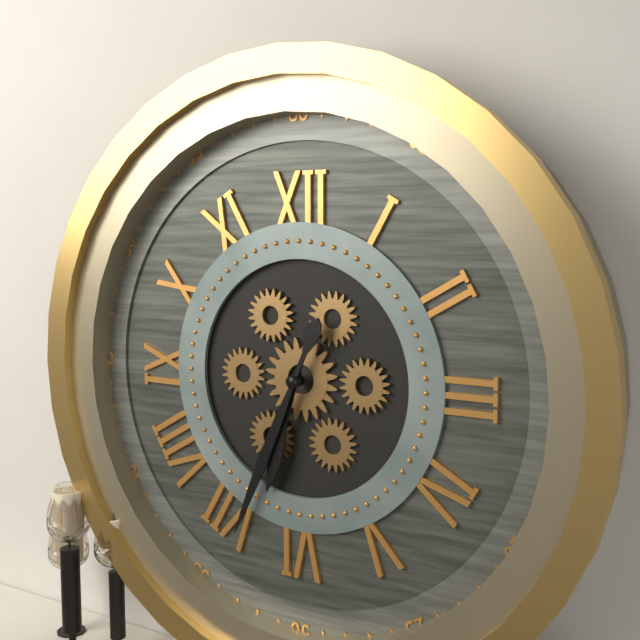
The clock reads 6:34
